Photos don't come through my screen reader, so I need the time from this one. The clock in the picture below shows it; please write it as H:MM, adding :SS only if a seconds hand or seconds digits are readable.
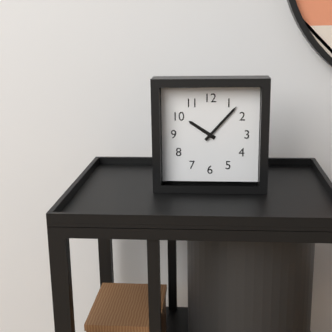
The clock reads 10:07
